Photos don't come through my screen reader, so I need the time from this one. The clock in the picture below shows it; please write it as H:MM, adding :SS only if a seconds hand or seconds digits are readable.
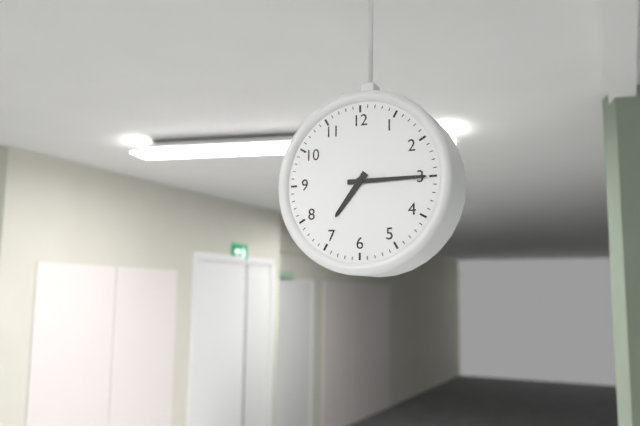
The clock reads 7:15
